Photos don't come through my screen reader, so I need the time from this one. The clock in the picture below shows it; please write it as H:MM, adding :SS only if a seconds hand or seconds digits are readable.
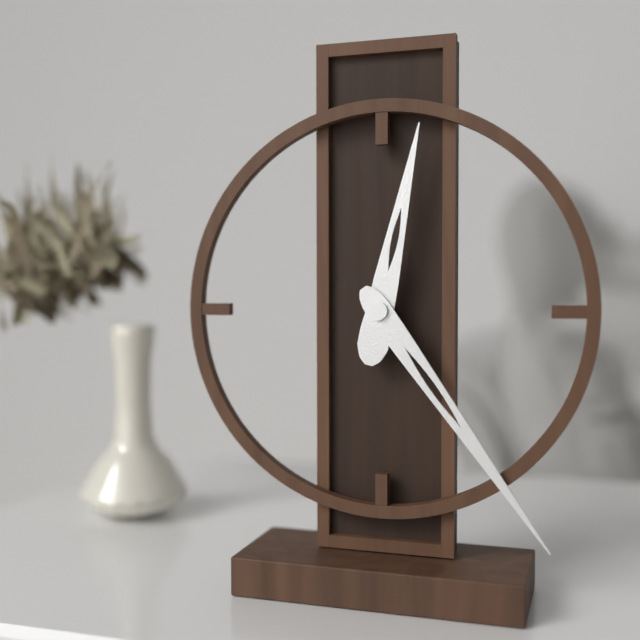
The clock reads 12:24
